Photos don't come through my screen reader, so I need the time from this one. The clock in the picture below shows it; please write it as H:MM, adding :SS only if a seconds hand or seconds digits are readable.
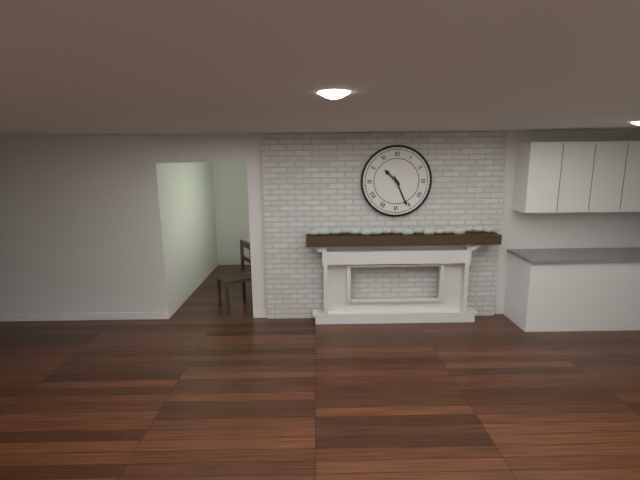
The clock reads 10:26
